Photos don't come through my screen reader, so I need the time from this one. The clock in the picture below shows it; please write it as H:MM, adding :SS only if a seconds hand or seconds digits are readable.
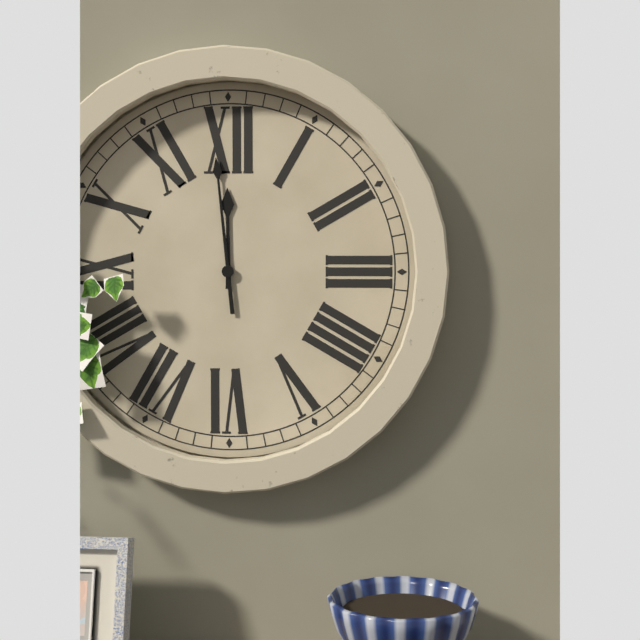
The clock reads 11:59
